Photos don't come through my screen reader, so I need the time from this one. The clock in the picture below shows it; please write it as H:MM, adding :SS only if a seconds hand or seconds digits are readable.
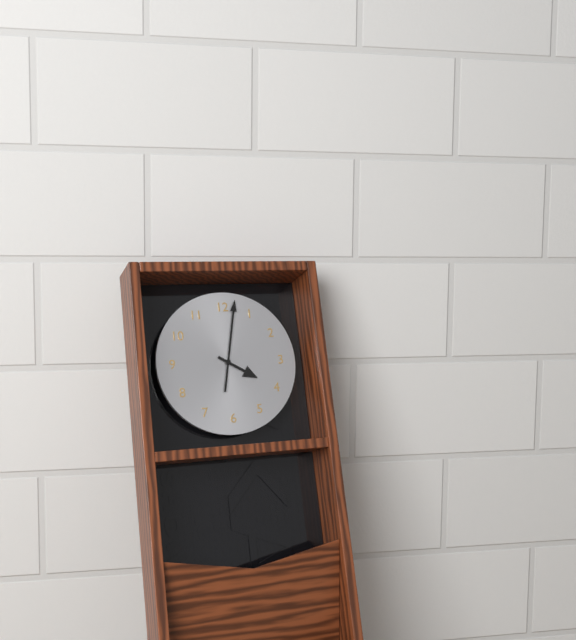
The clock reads 4:02
